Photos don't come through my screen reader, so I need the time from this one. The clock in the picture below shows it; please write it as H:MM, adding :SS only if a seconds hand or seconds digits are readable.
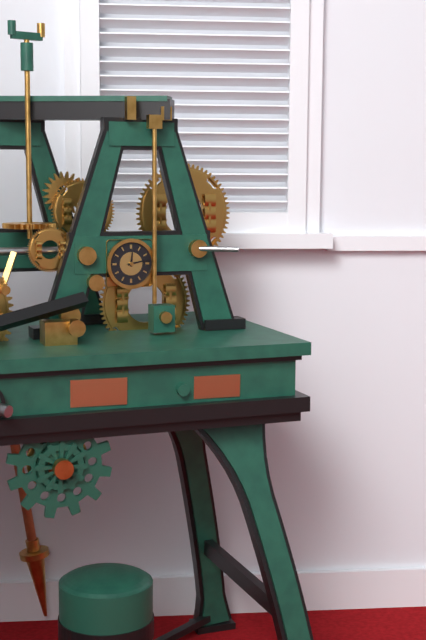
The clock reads 12:13
